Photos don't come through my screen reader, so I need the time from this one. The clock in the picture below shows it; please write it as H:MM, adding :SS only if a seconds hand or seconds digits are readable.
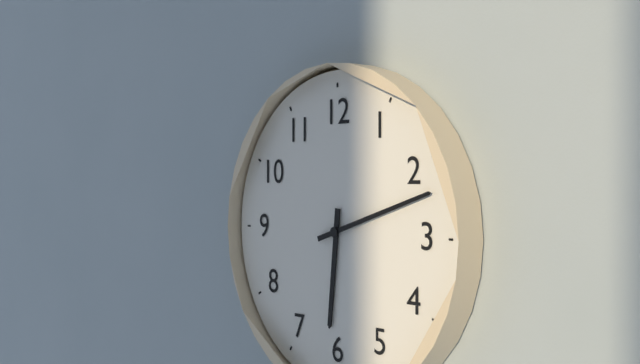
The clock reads 6:12
